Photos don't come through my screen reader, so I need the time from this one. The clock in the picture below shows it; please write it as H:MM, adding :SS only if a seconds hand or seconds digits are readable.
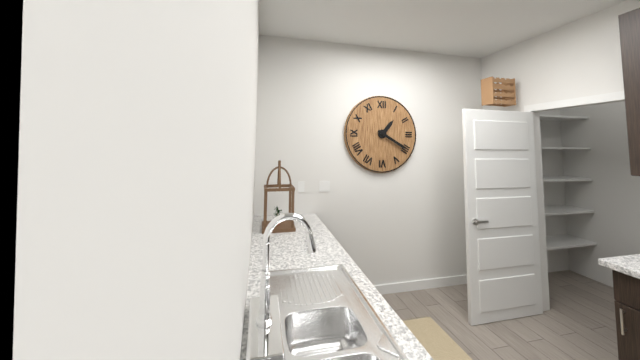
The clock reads 1:20
